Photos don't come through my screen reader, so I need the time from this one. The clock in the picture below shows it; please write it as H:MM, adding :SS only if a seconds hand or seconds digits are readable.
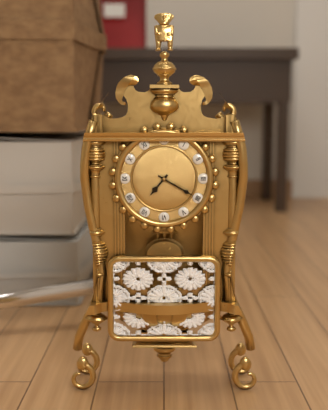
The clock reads 7:20
